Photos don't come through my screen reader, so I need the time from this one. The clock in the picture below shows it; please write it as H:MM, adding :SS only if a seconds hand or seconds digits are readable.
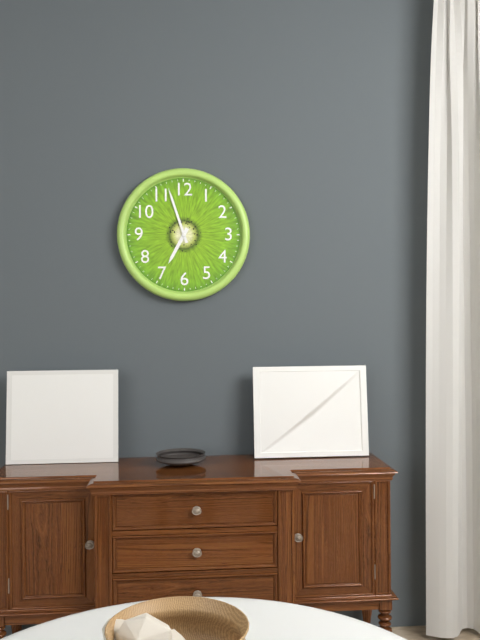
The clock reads 6:57
